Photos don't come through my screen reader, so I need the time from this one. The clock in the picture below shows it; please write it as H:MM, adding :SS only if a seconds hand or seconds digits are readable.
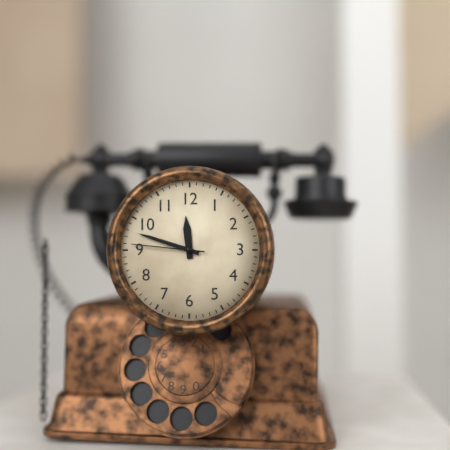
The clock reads 11:48:46
